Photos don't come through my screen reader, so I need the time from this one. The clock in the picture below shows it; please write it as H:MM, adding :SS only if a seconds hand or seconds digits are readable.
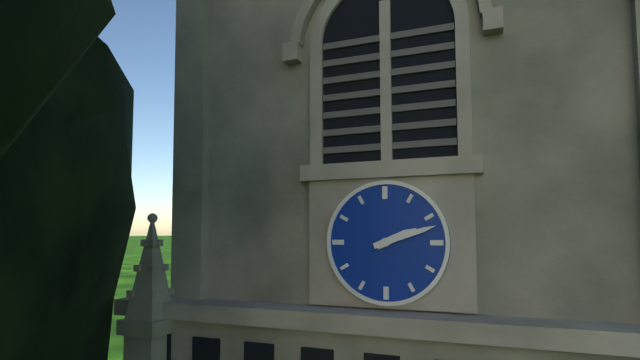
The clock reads 2:12
